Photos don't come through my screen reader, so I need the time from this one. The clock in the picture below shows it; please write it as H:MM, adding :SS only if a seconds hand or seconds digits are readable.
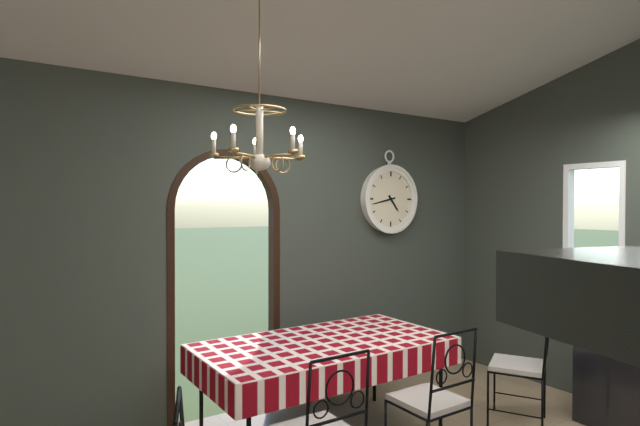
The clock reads 4:43
